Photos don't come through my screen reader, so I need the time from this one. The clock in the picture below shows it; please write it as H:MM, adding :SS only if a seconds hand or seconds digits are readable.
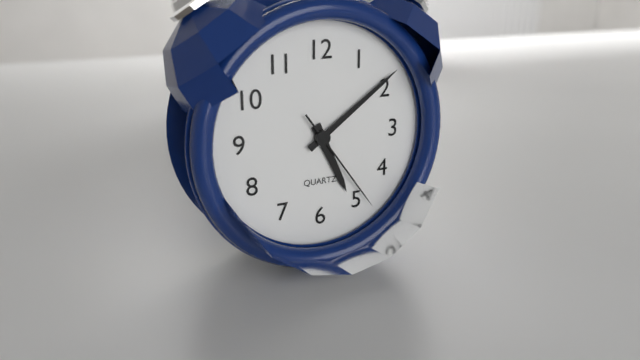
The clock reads 5:09:24
